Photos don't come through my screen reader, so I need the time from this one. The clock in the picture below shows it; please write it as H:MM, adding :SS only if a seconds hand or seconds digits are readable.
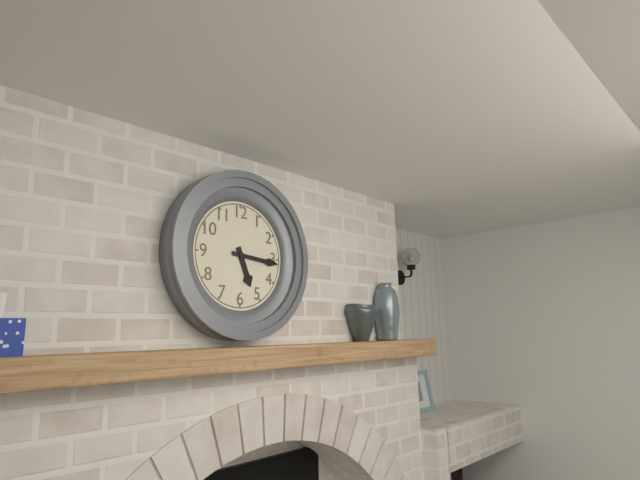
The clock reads 5:16
